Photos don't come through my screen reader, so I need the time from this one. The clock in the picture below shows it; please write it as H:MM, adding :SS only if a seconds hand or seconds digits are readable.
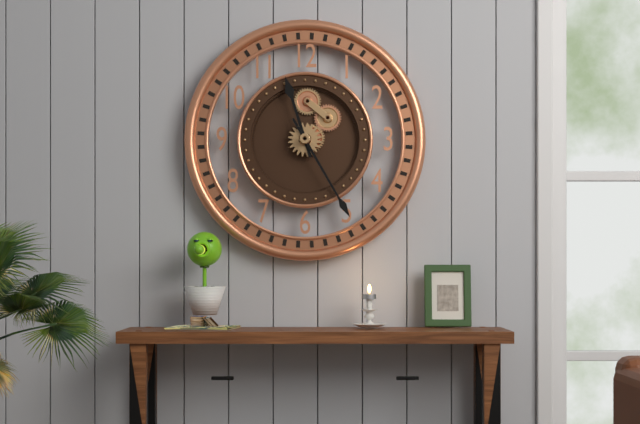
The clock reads 11:25
